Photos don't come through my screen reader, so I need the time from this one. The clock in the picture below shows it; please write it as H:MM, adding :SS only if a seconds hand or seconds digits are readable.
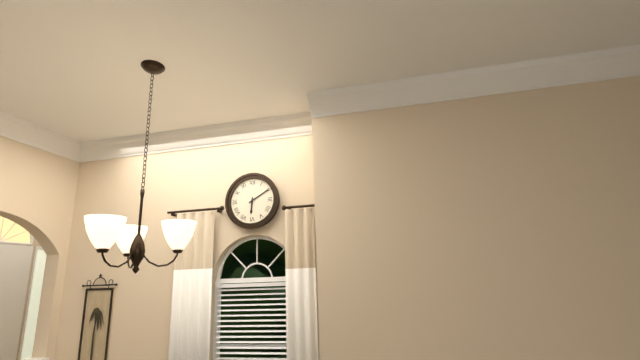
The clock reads 6:10
